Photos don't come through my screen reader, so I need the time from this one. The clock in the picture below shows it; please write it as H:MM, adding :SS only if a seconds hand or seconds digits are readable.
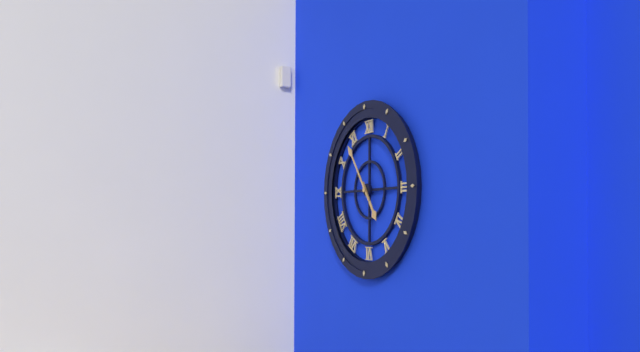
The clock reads 4:54
